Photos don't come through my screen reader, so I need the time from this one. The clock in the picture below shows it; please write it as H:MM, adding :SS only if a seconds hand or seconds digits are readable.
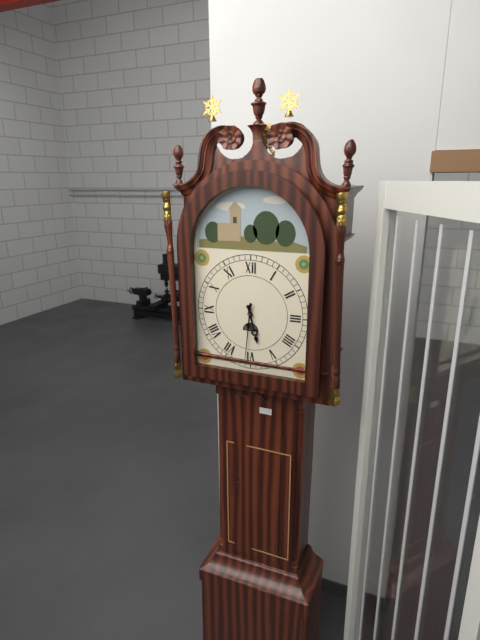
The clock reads 5:31
